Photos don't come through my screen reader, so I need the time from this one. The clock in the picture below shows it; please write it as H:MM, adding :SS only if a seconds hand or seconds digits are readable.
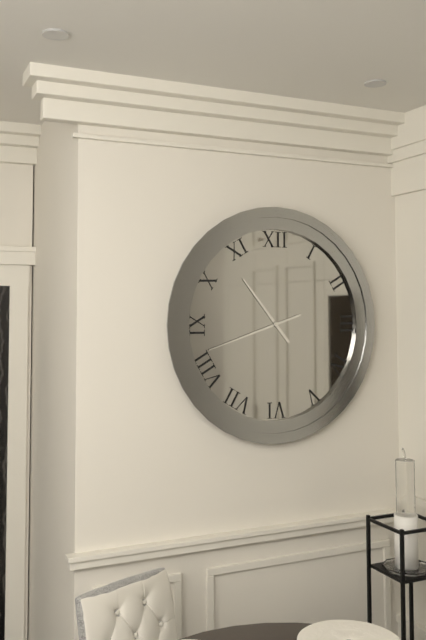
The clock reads 10:42
